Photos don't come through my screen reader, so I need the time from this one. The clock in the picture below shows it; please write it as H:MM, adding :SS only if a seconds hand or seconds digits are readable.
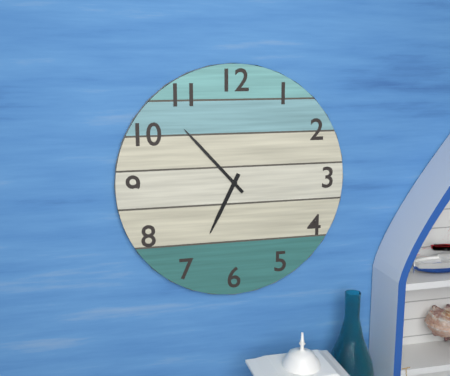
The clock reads 6:53
